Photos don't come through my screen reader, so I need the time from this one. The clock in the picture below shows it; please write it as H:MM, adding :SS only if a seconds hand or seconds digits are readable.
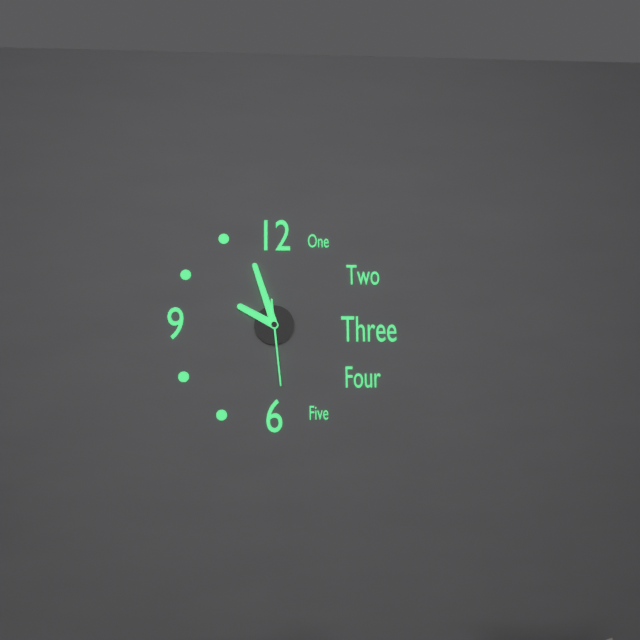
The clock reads 9:57:29
